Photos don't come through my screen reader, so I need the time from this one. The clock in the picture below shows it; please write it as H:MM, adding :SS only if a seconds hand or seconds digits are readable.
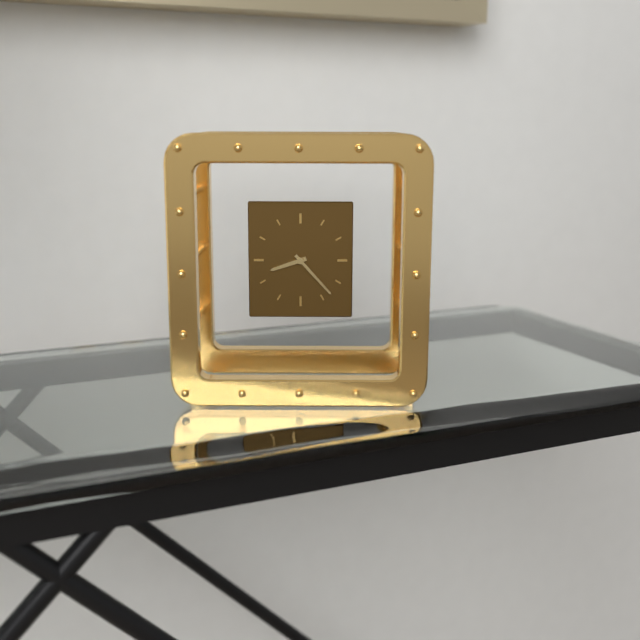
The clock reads 8:23
